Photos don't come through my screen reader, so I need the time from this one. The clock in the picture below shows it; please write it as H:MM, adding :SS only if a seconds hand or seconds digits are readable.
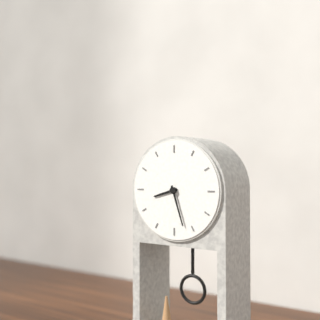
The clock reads 8:27
